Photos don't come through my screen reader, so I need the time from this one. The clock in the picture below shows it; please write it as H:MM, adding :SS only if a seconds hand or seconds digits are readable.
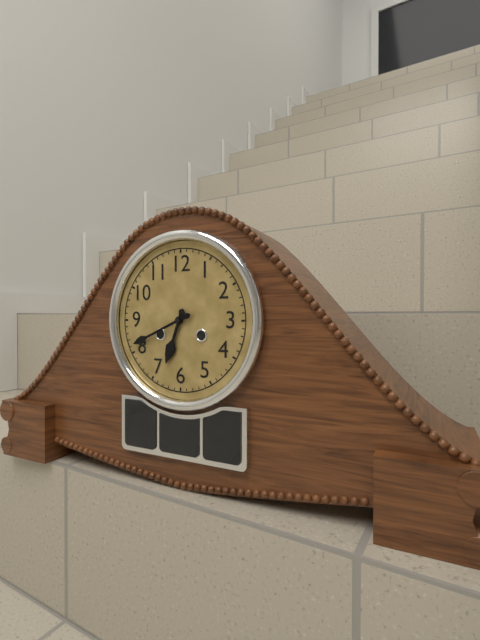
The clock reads 6:41
